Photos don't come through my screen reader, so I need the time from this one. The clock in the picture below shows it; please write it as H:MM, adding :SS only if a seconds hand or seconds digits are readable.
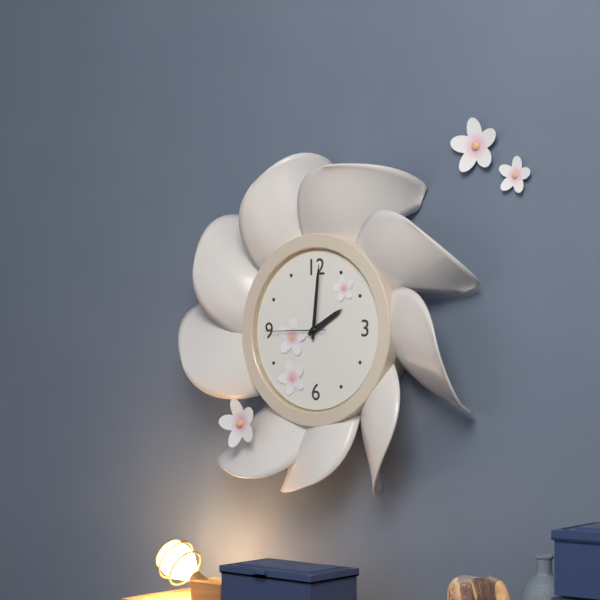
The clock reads 2:01:45
